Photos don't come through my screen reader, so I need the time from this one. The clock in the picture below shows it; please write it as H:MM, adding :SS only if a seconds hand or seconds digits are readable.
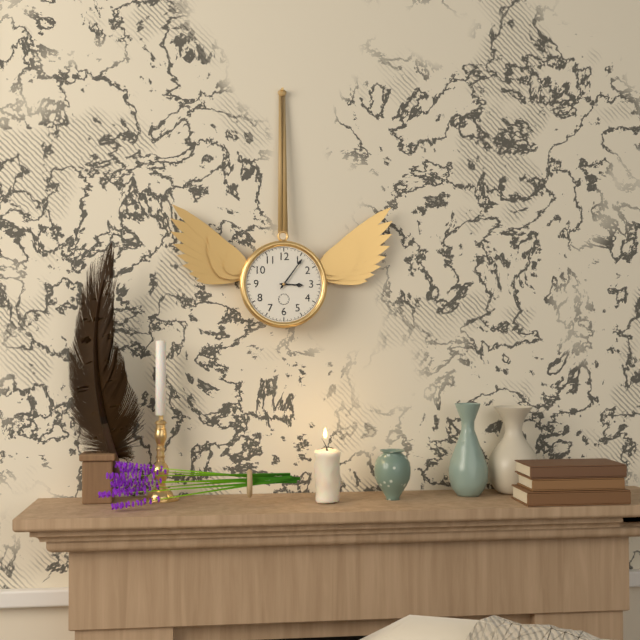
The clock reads 3:06
